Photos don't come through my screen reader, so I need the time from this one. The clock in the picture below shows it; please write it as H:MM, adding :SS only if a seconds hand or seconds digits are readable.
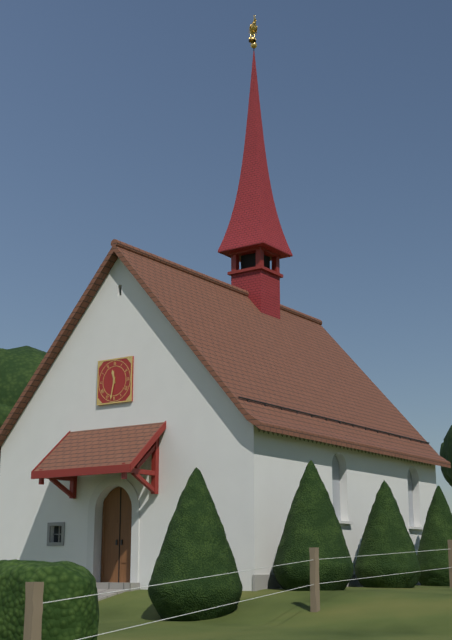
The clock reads 11:32
